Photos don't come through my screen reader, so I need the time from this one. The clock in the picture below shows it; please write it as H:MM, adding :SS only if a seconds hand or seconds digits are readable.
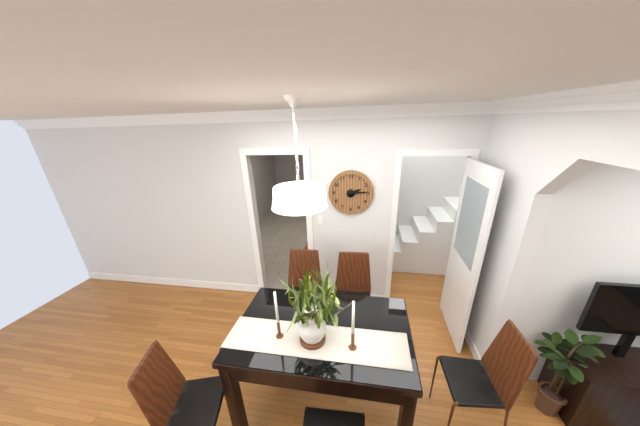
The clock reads 2:14
